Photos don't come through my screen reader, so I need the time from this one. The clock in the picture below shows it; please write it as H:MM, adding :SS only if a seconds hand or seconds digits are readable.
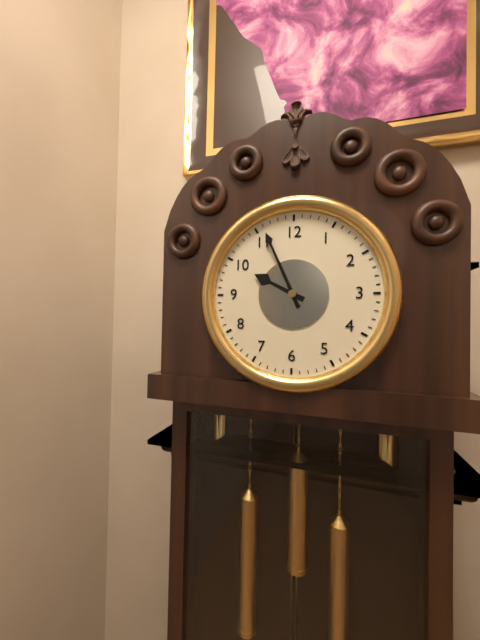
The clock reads 9:56
